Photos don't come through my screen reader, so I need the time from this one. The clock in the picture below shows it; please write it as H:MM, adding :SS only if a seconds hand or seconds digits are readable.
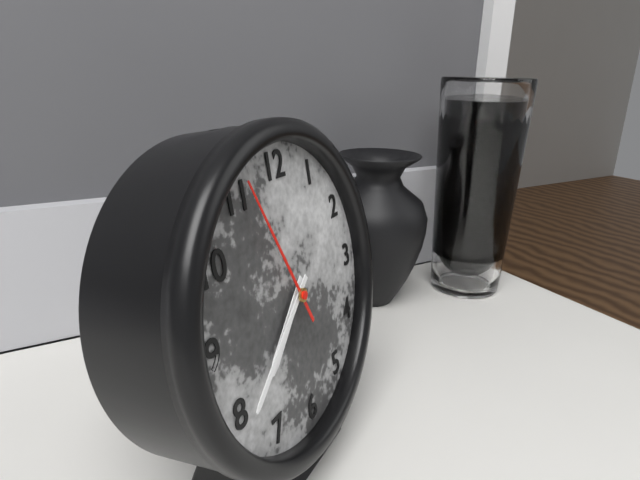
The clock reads 7:39:56
